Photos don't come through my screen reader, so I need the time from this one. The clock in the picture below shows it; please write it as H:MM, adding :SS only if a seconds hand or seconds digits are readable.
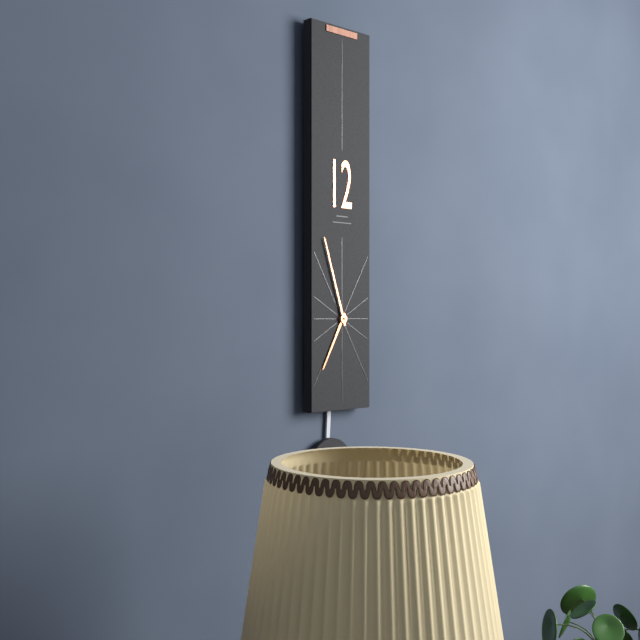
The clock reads 6:57
